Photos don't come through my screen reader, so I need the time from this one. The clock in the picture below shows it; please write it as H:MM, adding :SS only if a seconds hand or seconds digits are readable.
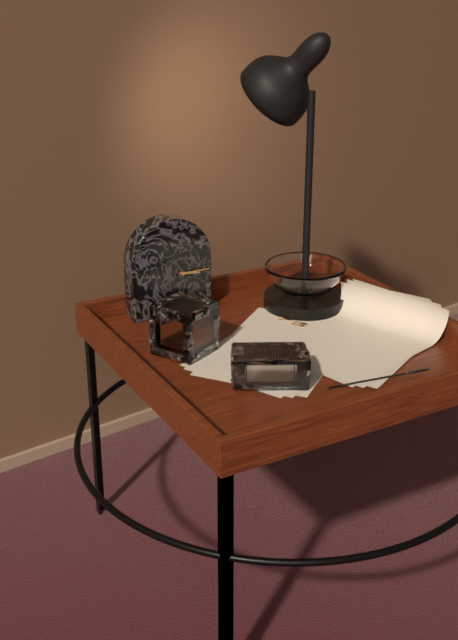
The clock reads 3:15
